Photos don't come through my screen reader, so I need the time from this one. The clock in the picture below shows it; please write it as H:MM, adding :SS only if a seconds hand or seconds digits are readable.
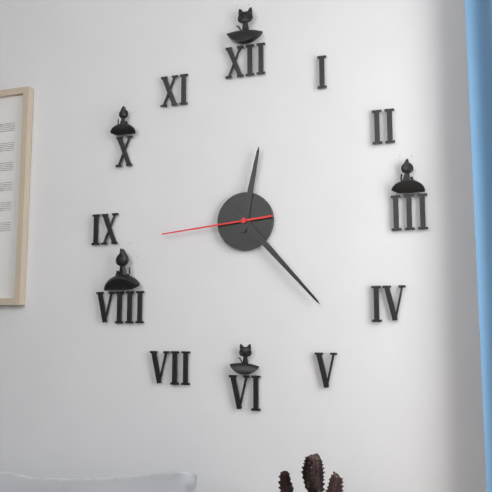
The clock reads 12:23:44
